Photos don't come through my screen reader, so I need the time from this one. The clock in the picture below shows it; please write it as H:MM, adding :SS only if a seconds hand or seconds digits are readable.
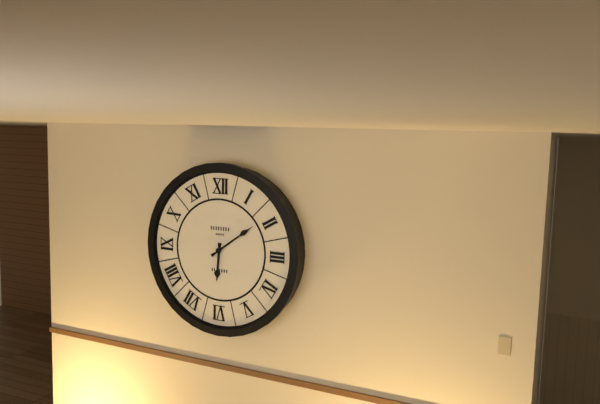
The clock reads 6:09
